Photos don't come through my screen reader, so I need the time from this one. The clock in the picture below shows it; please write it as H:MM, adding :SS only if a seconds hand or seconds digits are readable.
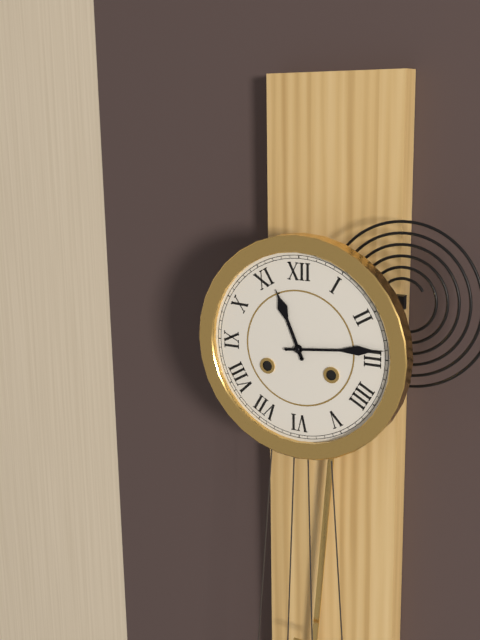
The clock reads 11:14
